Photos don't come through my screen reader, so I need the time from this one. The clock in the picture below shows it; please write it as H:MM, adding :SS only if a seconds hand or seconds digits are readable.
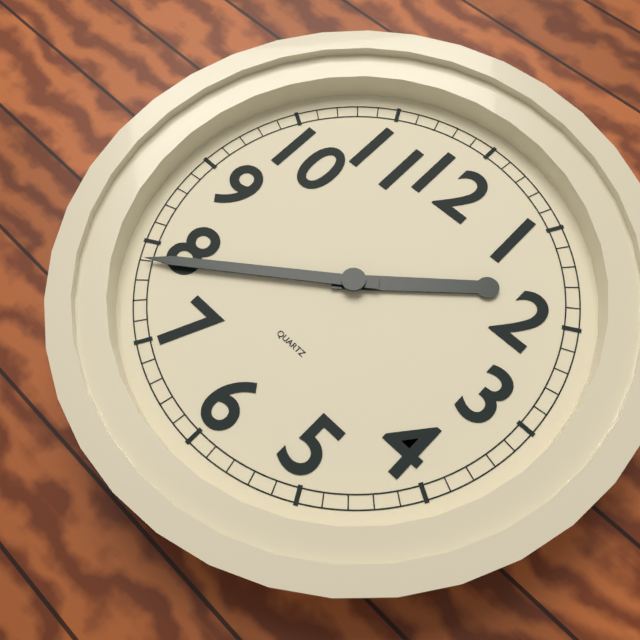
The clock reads 1:39
